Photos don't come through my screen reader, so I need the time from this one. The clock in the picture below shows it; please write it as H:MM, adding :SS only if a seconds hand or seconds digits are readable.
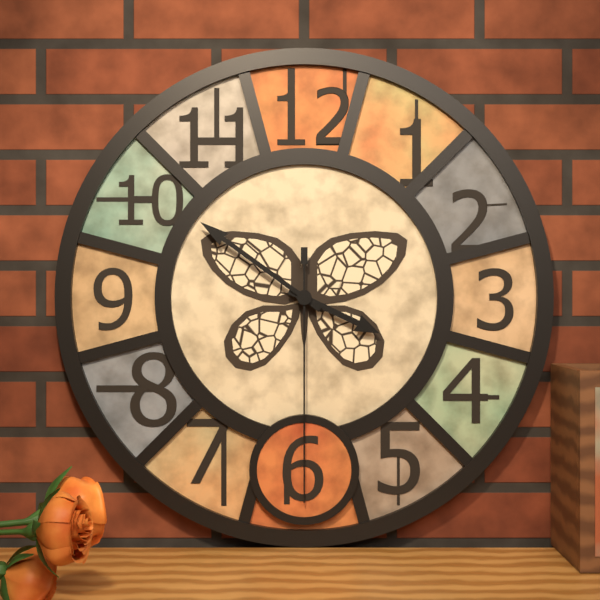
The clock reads 3:51:30
